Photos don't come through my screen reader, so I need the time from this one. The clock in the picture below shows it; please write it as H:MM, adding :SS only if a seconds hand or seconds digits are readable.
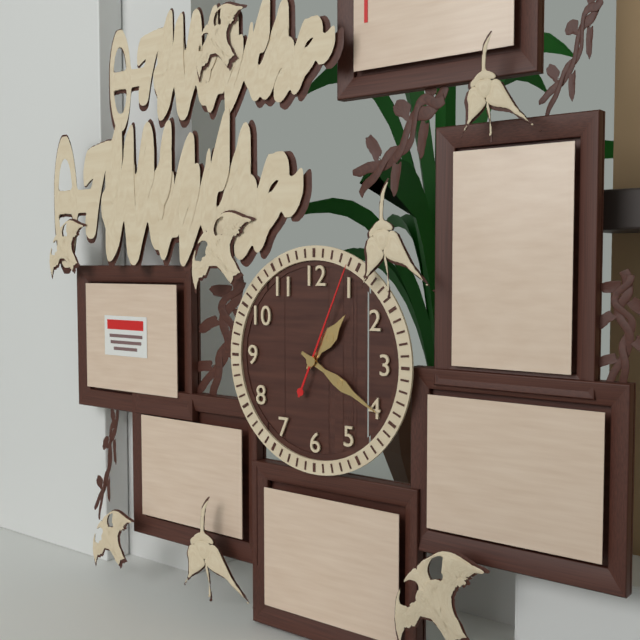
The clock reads 1:20:04
